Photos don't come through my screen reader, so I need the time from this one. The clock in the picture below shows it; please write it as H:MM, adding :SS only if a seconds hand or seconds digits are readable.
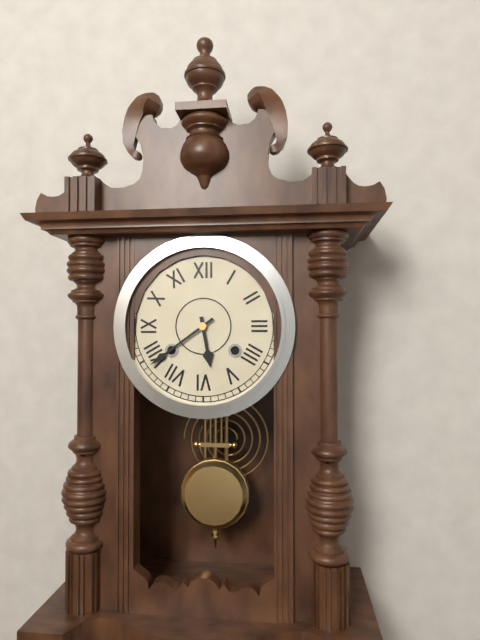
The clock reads 5:39
